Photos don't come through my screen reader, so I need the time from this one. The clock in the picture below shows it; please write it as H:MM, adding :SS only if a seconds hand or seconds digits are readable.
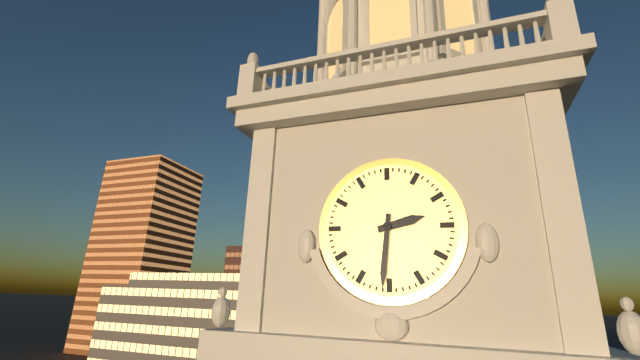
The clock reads 2:31
